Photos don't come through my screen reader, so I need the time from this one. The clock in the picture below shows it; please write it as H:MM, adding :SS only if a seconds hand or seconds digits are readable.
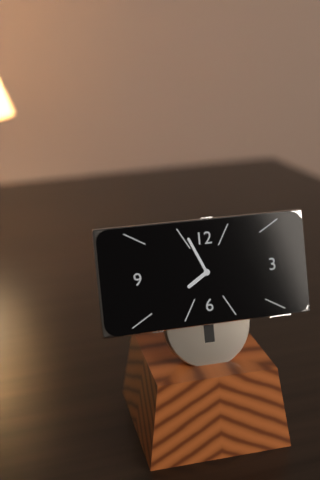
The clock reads 7:56
